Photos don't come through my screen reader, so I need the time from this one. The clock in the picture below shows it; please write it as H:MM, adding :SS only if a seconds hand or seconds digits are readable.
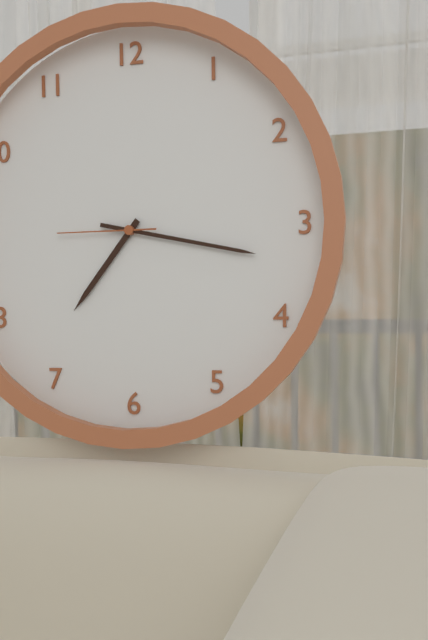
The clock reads 7:17:45
